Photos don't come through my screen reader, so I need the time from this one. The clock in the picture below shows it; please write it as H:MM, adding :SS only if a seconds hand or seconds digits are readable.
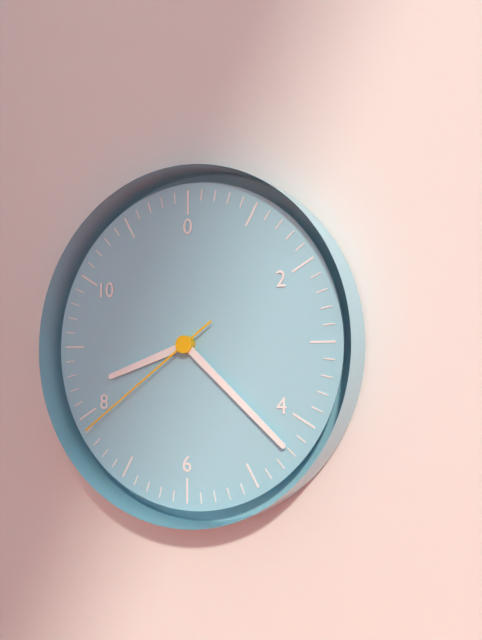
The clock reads 8:22:39
